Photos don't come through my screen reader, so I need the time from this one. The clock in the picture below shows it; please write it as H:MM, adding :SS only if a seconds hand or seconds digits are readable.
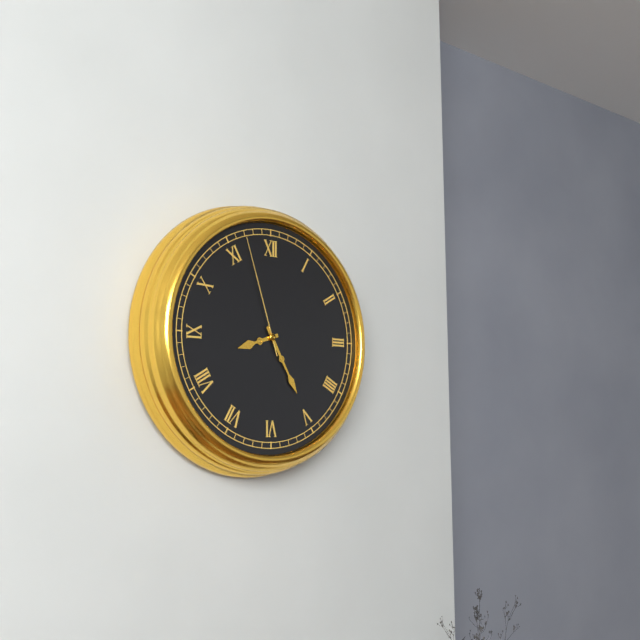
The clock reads 8:25:57
